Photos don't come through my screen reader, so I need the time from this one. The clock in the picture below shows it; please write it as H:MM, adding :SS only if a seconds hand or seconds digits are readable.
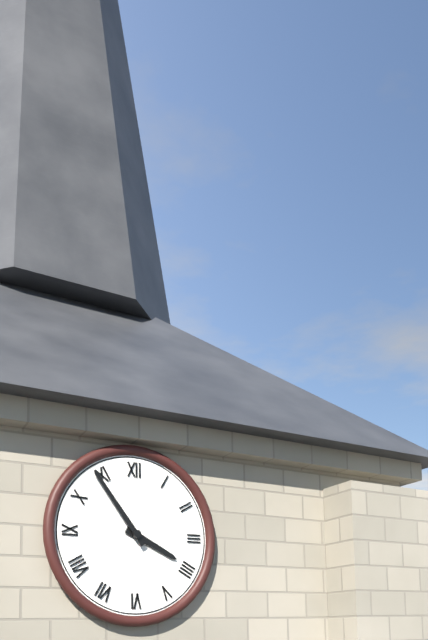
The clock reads 3:54
